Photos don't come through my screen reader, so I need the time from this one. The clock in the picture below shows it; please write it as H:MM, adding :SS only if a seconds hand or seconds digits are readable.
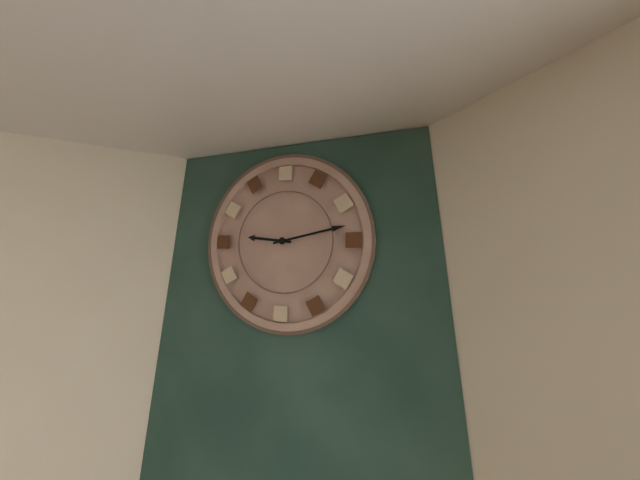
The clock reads 9:13
